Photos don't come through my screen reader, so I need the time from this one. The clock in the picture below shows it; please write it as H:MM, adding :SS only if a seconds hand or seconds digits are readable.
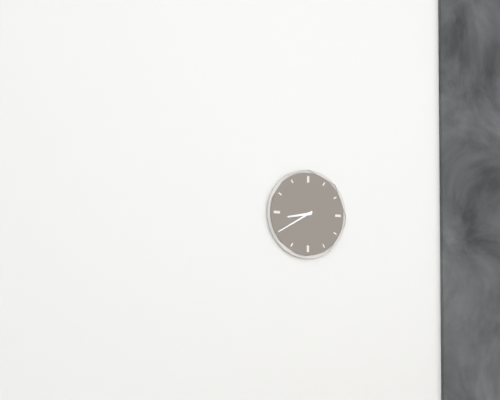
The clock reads 8:40
